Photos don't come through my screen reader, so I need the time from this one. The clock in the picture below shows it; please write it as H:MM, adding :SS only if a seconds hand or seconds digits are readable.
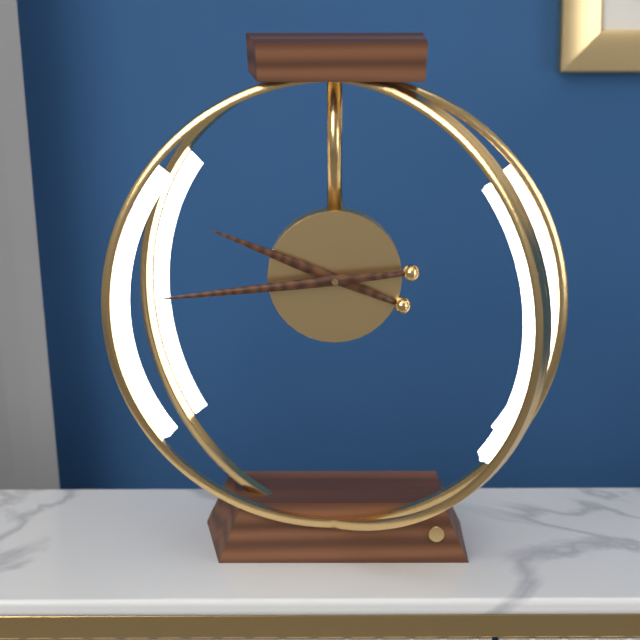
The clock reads 9:44
